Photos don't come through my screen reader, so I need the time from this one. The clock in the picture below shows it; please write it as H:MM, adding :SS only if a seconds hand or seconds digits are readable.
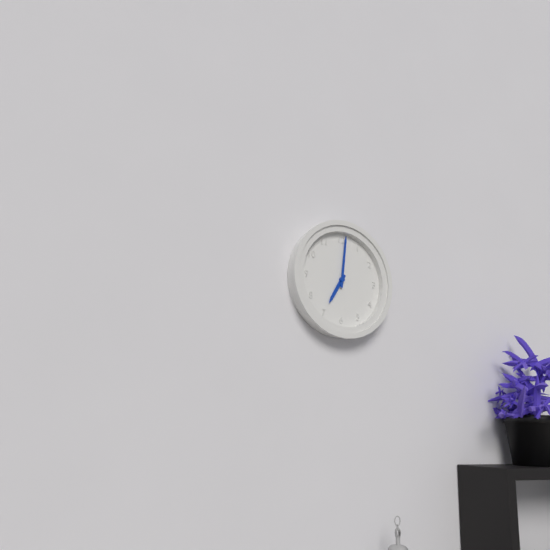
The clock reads 7:01
